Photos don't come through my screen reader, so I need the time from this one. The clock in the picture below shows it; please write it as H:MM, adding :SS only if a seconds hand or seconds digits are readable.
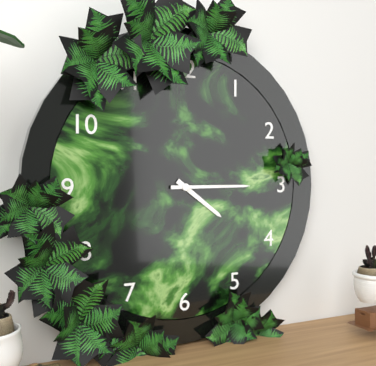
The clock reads 4:15
